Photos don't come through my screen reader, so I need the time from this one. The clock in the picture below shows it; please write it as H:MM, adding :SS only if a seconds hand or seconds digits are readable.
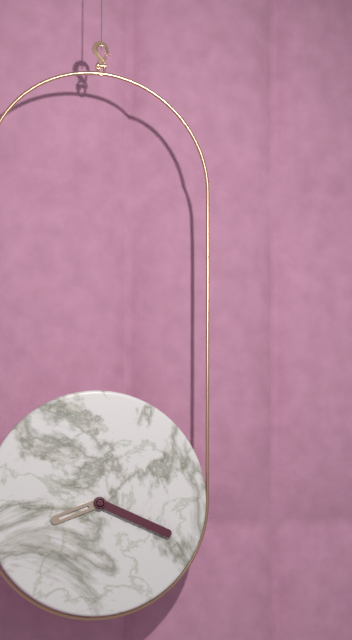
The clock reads 8:19
